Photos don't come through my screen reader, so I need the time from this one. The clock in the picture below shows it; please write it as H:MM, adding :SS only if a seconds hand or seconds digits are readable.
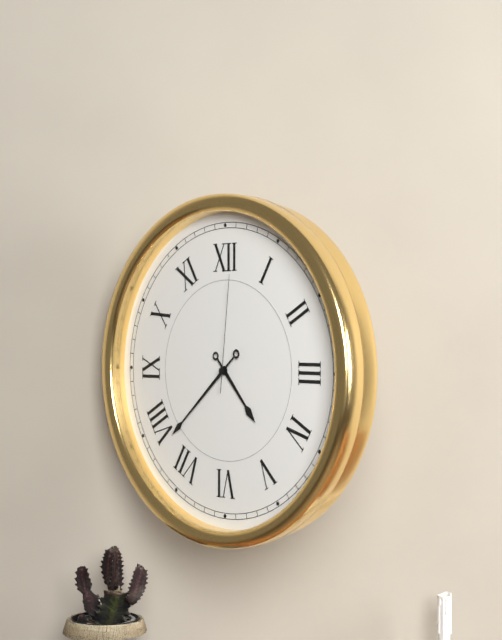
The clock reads 4:38:01
